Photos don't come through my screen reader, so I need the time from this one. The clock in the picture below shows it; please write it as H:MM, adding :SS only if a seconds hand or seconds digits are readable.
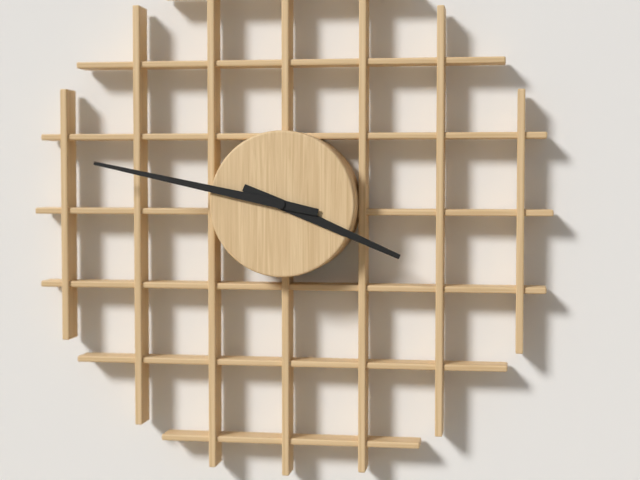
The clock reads 3:47
